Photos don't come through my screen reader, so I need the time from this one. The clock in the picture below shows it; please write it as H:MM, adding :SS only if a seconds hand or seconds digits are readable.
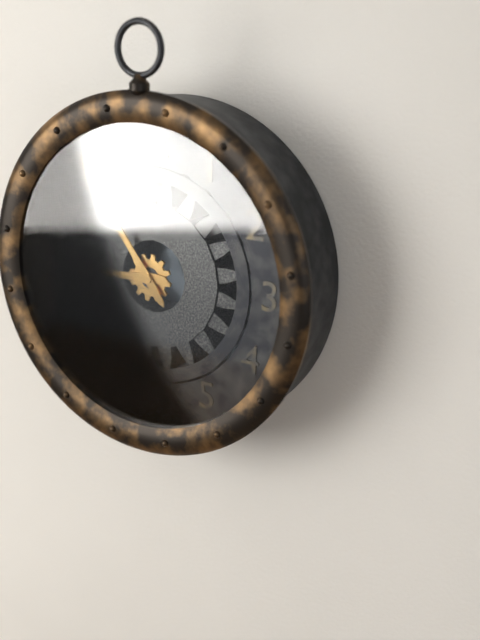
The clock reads 8:54
